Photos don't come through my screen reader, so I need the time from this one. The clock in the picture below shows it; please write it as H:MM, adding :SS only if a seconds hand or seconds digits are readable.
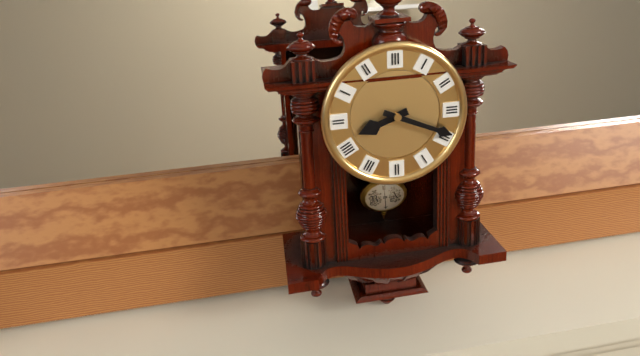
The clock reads 8:19
